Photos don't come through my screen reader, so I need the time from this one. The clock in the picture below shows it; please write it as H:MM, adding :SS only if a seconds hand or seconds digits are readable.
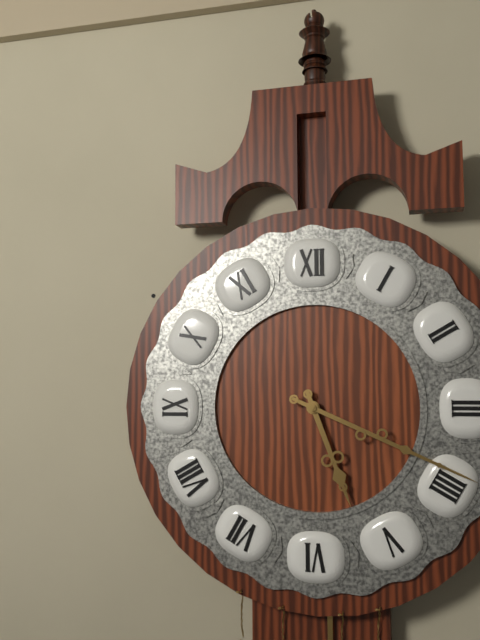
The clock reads 5:19
